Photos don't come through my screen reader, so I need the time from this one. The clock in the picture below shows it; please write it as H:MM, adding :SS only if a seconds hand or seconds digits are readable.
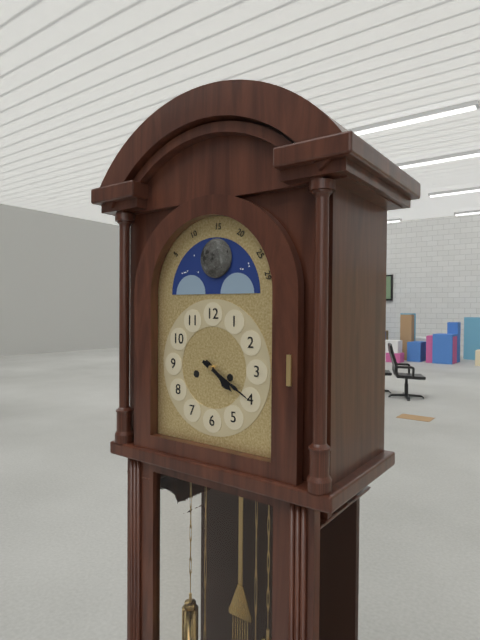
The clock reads 4:20
